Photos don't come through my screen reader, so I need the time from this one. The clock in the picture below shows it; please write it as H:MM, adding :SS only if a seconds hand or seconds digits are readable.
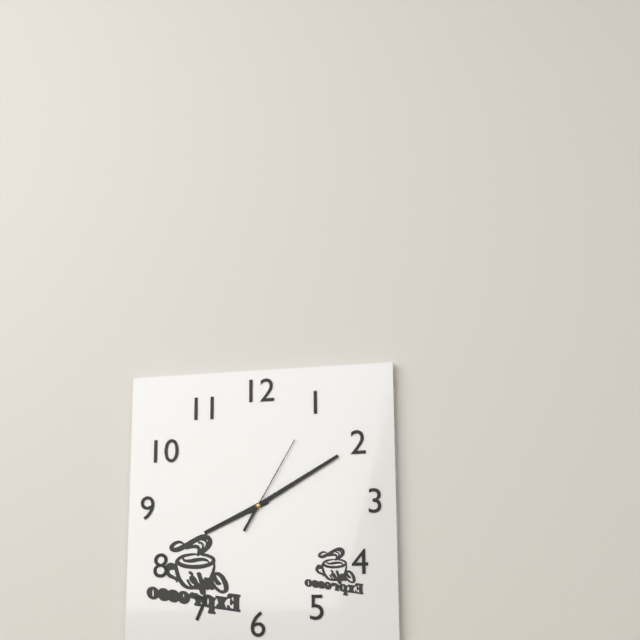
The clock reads 8:10:05
